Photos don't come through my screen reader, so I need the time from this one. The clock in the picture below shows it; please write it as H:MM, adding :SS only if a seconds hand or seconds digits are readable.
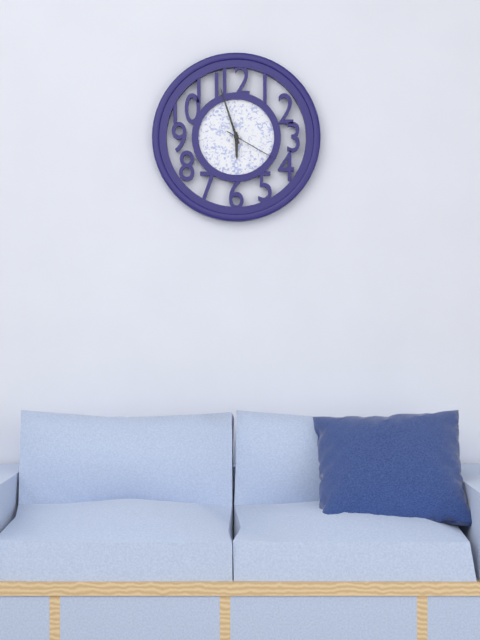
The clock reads 5:57:20
